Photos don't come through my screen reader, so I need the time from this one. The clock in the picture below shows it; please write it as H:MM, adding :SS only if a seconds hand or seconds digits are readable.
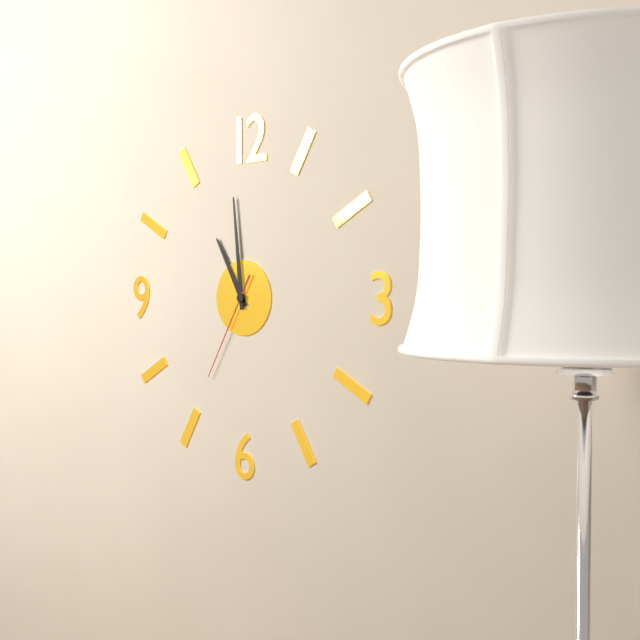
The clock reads 10:59:35
